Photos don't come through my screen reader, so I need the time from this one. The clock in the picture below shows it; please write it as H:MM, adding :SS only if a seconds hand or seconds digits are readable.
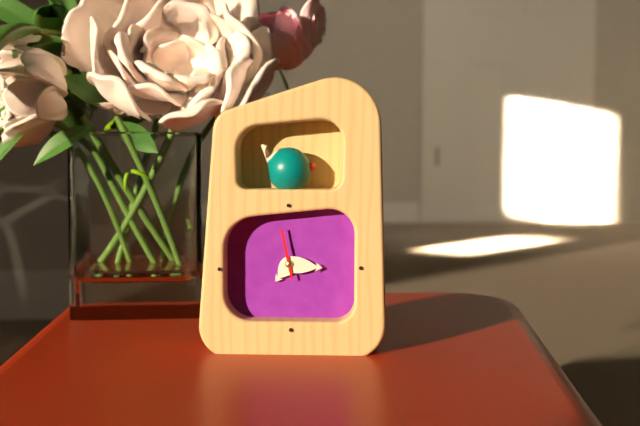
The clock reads 7:16
